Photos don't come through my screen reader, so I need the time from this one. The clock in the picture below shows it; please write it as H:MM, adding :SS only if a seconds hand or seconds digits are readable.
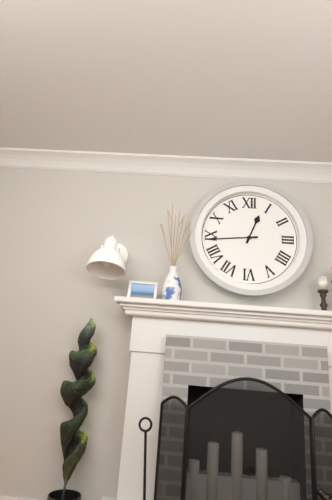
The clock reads 12:44
